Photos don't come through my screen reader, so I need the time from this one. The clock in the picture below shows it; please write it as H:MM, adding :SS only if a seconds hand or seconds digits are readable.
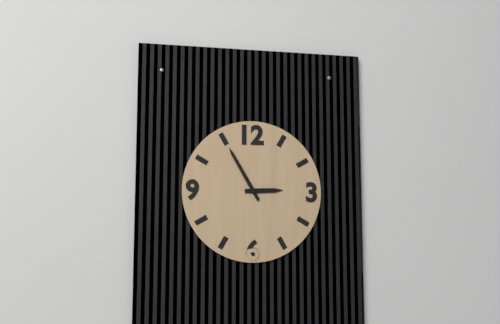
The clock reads 2:55
